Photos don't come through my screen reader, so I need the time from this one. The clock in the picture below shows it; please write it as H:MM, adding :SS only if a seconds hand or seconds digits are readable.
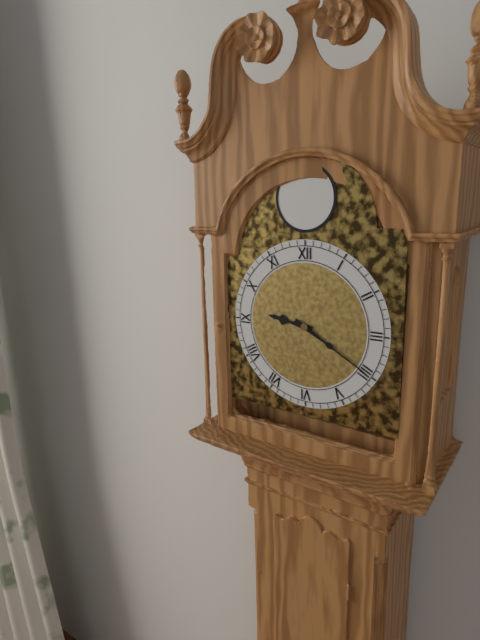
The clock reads 9:20
